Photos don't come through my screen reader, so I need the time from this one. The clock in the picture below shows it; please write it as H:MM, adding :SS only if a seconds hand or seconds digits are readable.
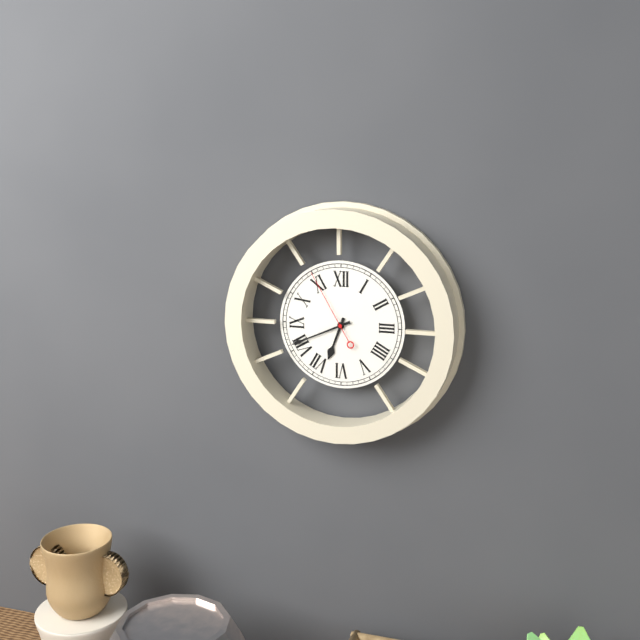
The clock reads 6:41:55
